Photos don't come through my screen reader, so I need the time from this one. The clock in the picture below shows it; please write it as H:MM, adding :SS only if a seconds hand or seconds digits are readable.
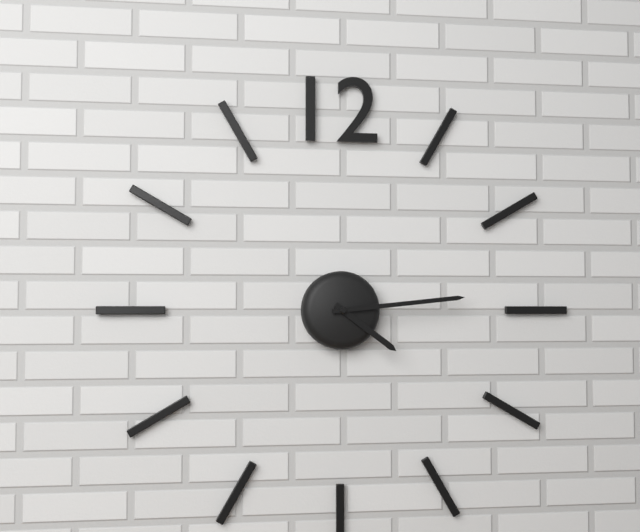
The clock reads 4:14
